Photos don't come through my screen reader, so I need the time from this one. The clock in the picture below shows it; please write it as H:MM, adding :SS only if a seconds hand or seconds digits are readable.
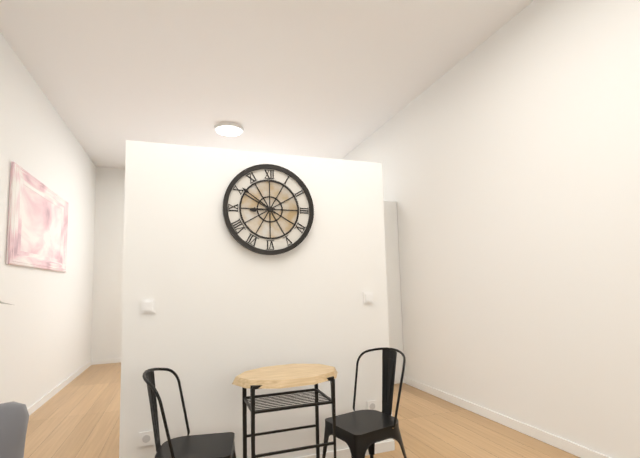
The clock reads 8:51
